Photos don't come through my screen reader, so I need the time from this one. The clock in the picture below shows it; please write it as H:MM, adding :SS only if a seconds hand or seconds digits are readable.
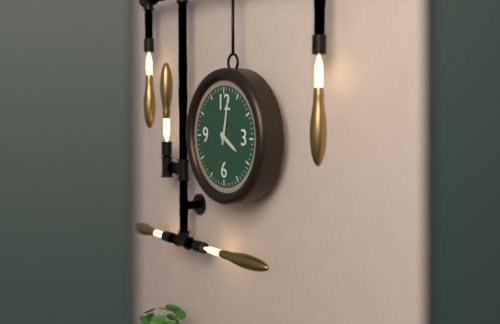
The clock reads 4:02
